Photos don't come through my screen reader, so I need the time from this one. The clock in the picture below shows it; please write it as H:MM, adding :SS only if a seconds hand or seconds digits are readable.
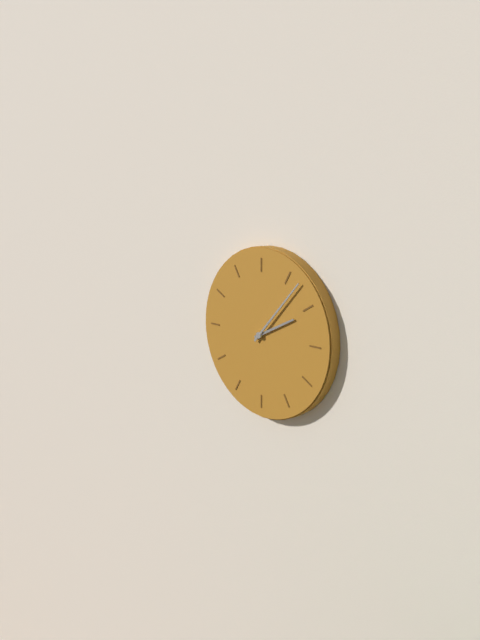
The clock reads 2:07
